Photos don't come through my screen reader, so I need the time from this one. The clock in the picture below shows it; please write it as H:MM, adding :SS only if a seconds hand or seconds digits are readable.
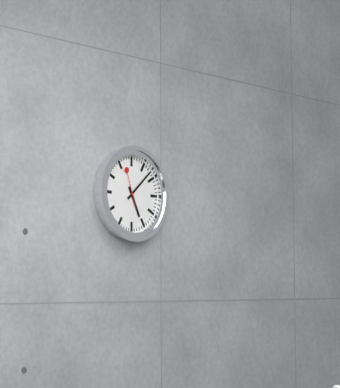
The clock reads 5:08
